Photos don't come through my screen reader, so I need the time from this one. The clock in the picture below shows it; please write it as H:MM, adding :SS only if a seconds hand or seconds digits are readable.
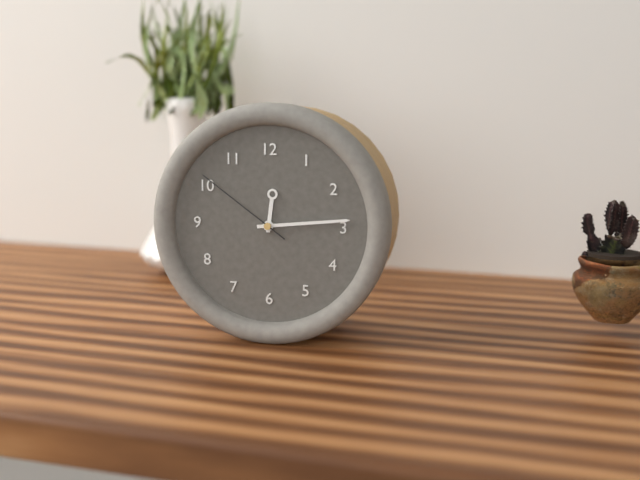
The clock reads 12:14:51
